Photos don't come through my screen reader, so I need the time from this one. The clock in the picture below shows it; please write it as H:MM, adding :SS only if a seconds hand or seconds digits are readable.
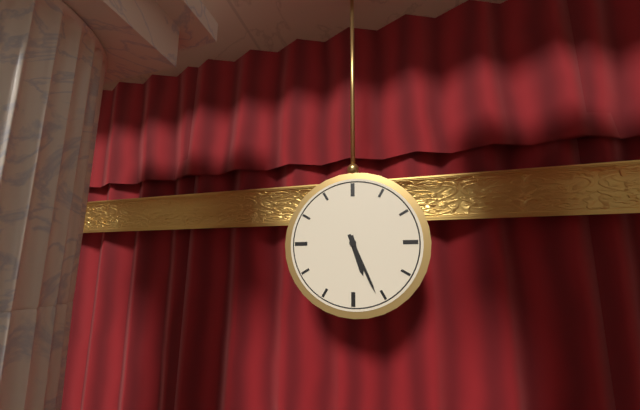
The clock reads 5:26
